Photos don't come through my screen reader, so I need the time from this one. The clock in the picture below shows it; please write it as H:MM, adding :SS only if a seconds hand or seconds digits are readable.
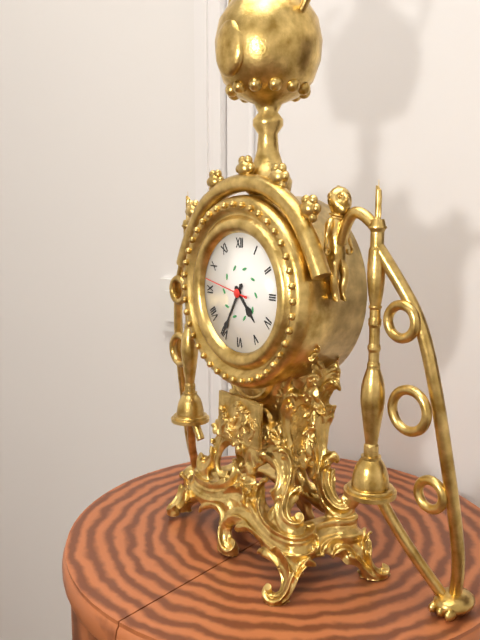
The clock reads 4:35
